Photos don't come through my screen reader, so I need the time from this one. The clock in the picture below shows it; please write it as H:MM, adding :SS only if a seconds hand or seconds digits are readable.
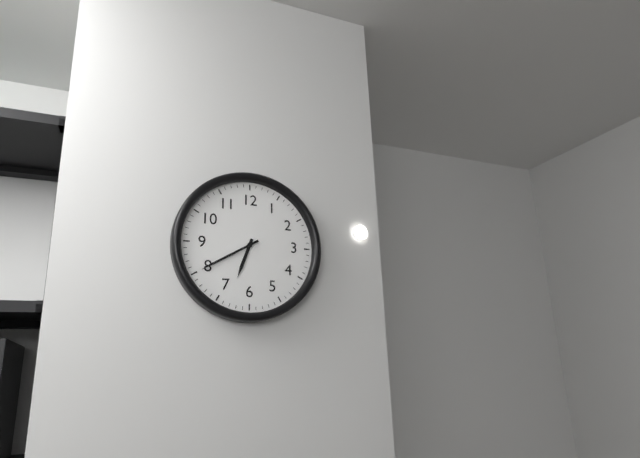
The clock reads 6:40
